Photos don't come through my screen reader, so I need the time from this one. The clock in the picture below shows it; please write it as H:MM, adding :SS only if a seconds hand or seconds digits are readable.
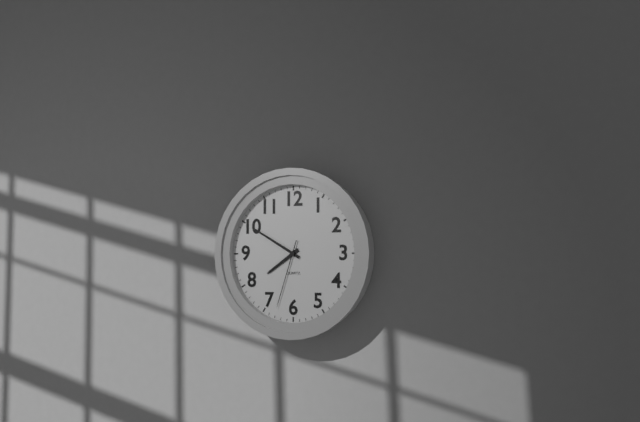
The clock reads 7:50:33
